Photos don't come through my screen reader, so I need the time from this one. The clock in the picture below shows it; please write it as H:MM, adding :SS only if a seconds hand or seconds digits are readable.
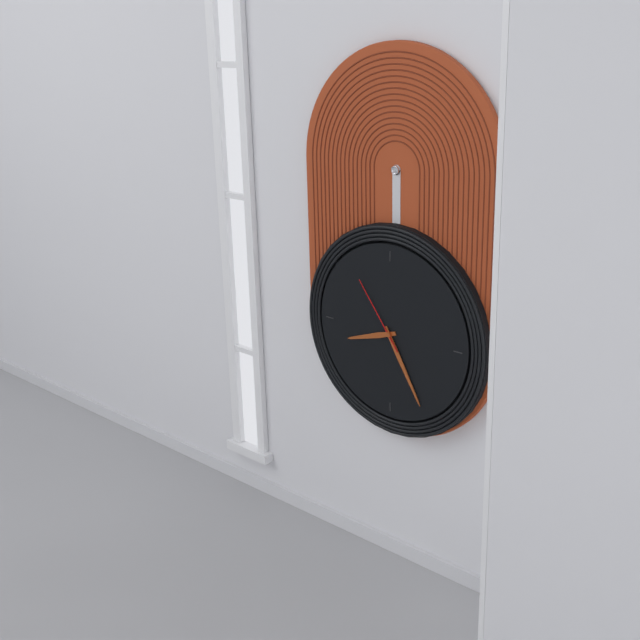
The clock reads 8:25:54
